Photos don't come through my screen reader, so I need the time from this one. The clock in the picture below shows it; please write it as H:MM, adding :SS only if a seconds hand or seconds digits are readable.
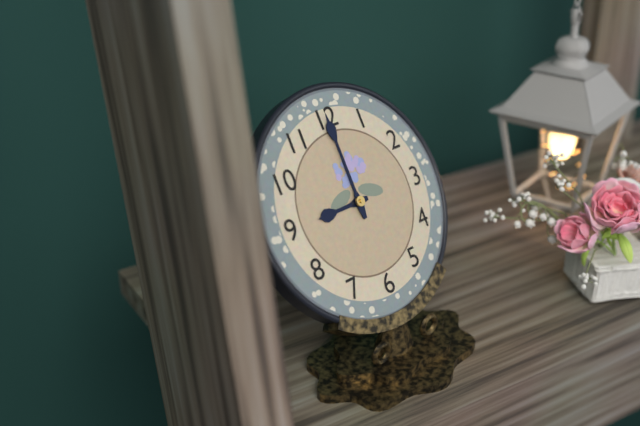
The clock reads 9:00
